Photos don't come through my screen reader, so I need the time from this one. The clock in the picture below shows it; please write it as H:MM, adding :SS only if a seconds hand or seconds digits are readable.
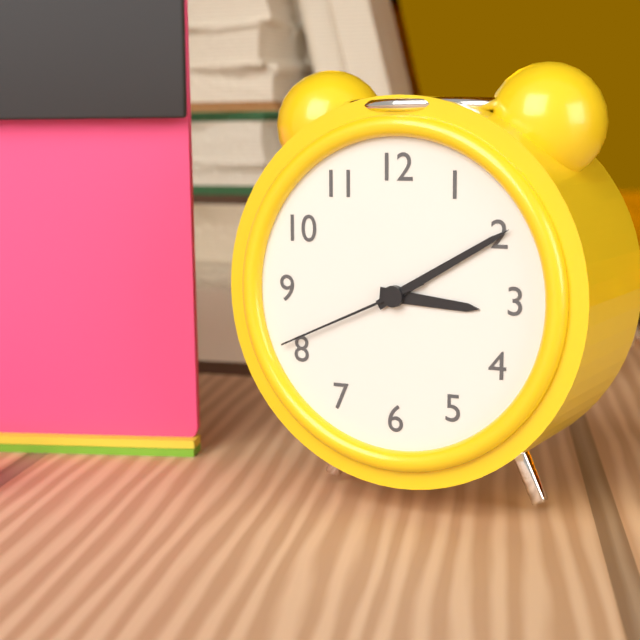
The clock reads 3:10:41
